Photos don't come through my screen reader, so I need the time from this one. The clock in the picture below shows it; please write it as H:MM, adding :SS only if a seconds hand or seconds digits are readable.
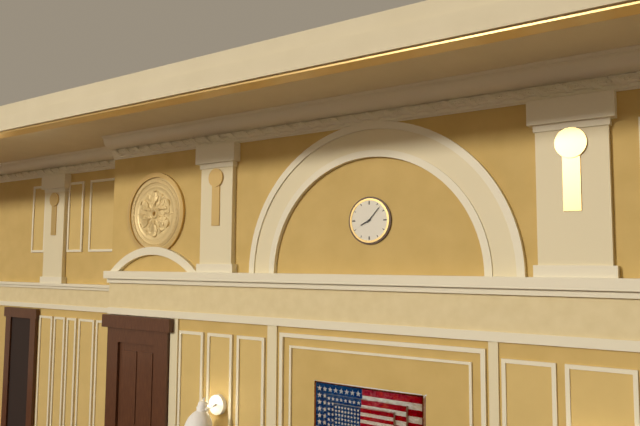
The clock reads 8:07
